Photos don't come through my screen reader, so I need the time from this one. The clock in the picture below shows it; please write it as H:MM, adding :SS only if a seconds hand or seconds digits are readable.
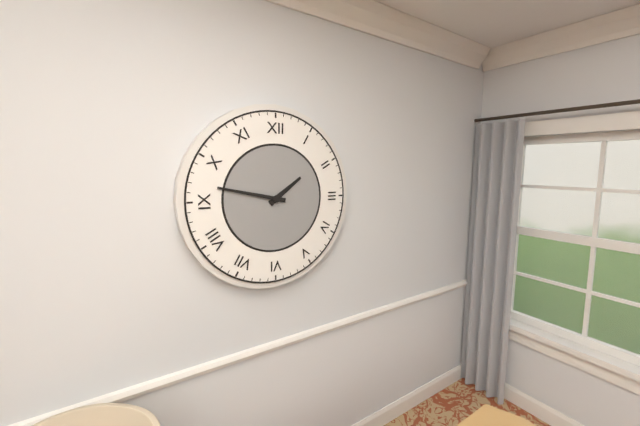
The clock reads 1:47
